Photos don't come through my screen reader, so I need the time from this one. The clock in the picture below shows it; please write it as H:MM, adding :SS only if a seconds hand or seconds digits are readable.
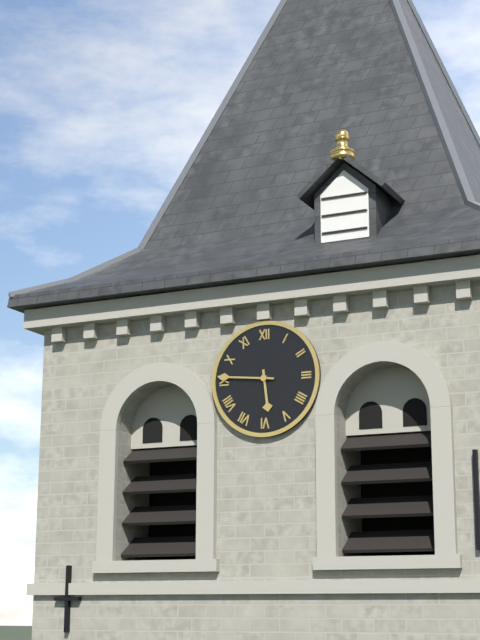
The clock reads 5:46
